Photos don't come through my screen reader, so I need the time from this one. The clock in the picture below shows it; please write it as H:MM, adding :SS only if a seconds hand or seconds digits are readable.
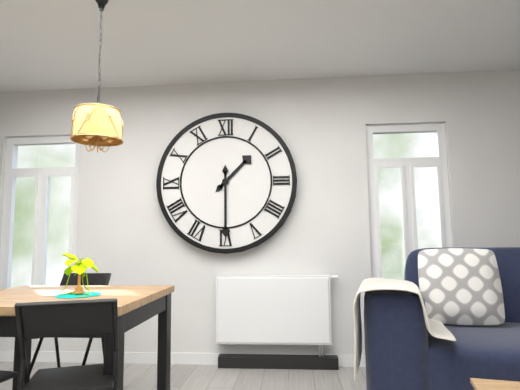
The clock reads 1:30
